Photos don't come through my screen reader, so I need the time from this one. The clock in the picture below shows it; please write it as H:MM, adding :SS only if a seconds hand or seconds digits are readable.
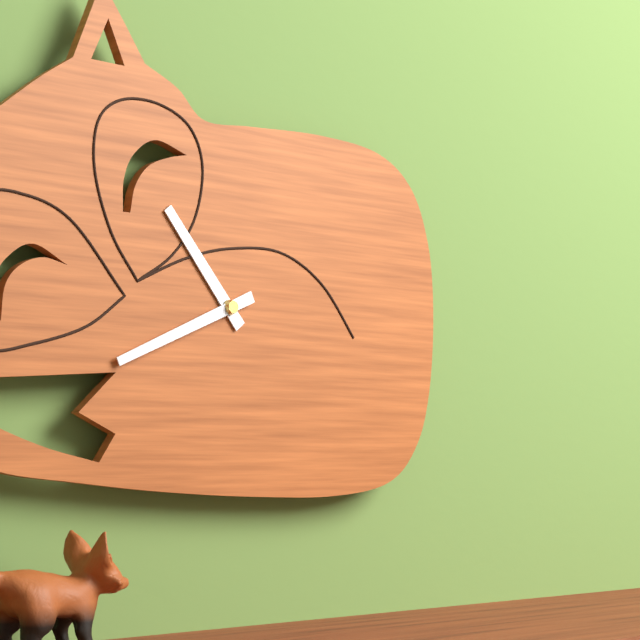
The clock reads 10:41
